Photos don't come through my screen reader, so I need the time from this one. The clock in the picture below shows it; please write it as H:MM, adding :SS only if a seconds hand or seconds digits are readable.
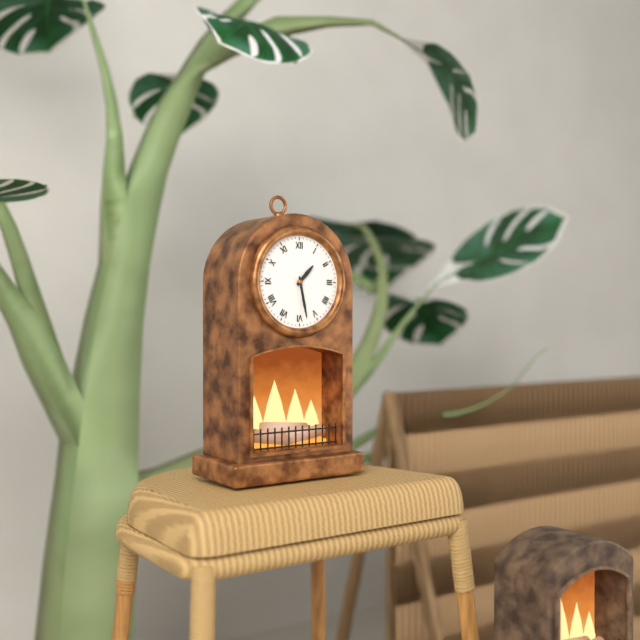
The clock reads 1:28
